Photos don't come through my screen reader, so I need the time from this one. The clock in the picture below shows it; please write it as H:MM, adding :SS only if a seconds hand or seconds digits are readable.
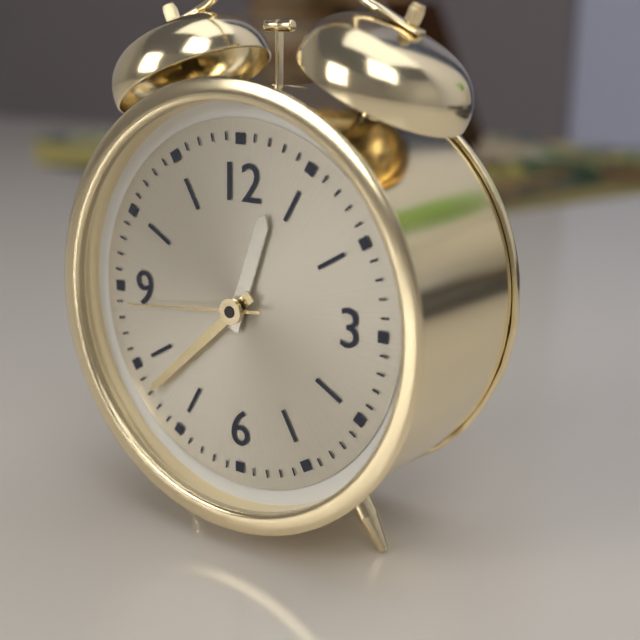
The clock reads 12:38:44
